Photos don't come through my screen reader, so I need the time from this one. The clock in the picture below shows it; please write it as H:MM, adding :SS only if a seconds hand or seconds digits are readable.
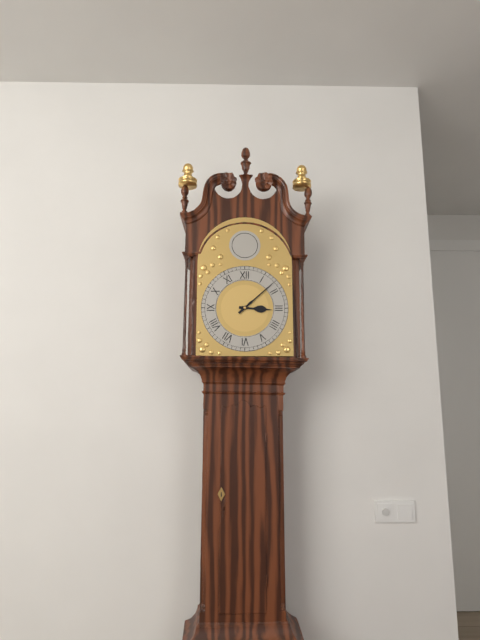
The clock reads 3:08
